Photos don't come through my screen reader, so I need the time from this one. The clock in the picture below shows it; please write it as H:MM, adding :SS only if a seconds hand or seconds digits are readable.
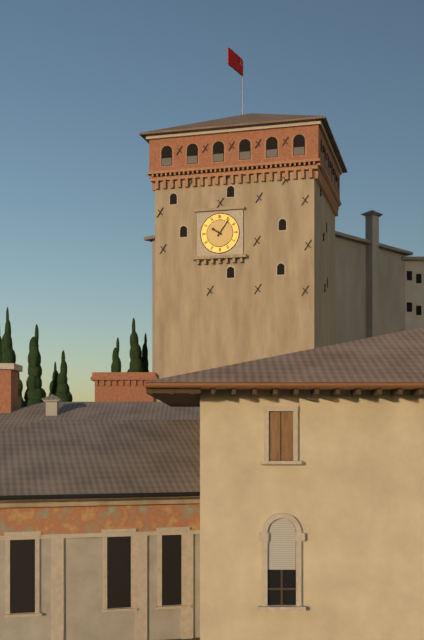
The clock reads 10:06
